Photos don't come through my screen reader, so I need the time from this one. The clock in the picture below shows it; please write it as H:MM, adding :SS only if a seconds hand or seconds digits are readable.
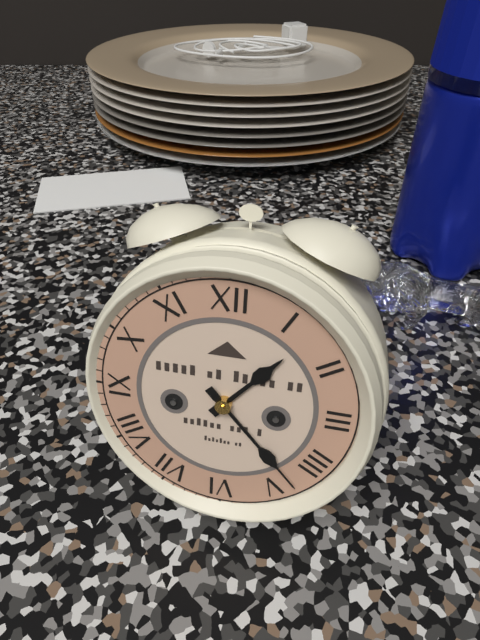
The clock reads 1:23
